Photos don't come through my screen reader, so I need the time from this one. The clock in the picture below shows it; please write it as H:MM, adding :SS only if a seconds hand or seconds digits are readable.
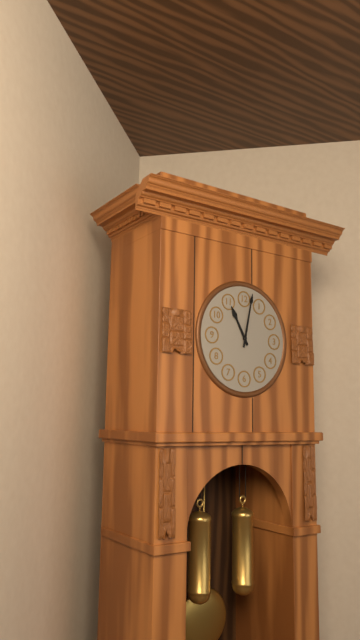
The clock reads 11:02
